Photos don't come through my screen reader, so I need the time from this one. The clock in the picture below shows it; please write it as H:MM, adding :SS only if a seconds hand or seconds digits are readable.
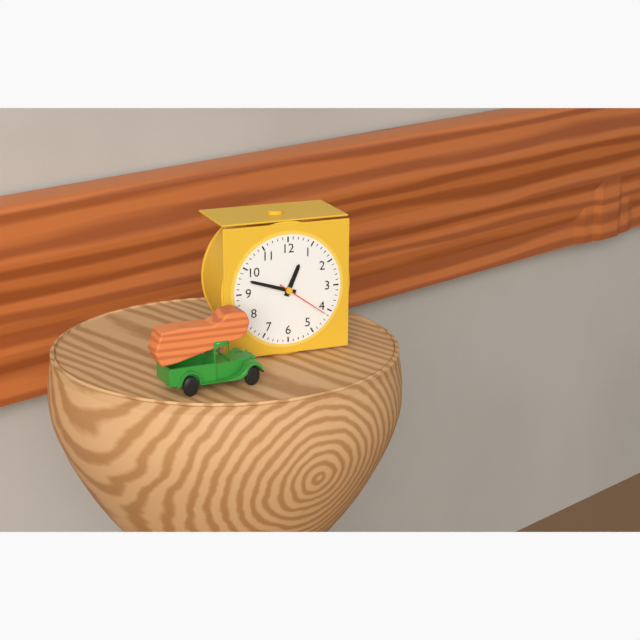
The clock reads 12:48:21
